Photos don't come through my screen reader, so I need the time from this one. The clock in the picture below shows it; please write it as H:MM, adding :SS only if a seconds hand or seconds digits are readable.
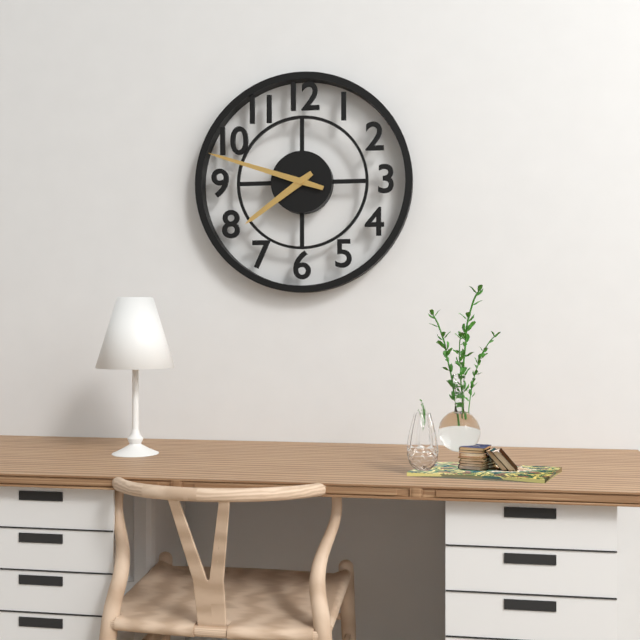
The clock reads 7:48
